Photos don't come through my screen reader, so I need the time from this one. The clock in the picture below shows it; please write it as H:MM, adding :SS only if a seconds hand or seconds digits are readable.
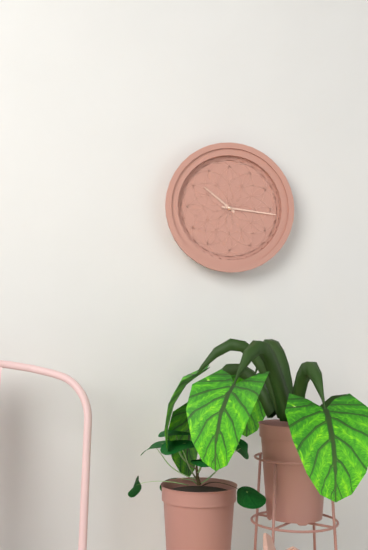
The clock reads 10:16
